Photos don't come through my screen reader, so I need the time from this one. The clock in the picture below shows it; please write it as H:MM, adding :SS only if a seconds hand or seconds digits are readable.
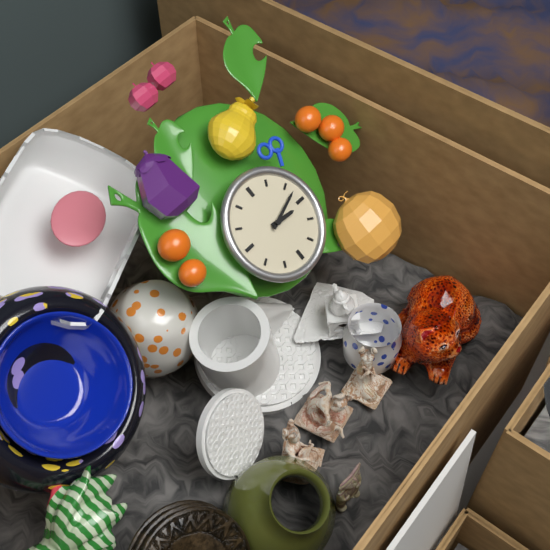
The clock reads 3:12
